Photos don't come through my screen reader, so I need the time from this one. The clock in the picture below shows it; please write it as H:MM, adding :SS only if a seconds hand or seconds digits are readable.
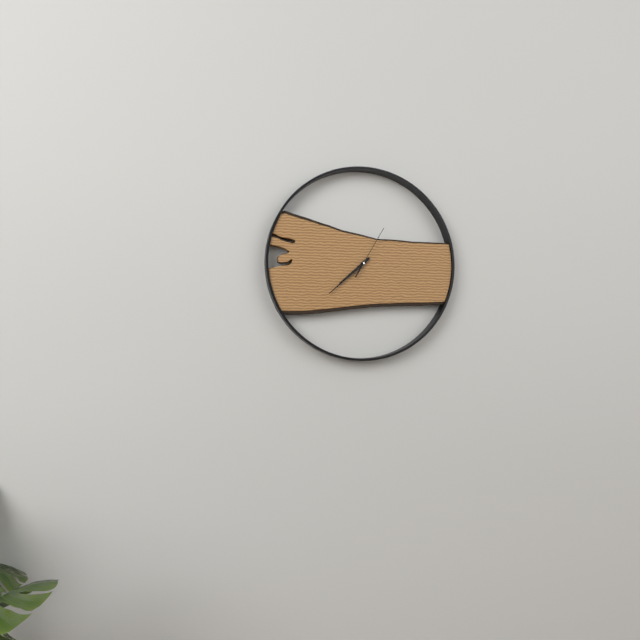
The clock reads 7:38:05
